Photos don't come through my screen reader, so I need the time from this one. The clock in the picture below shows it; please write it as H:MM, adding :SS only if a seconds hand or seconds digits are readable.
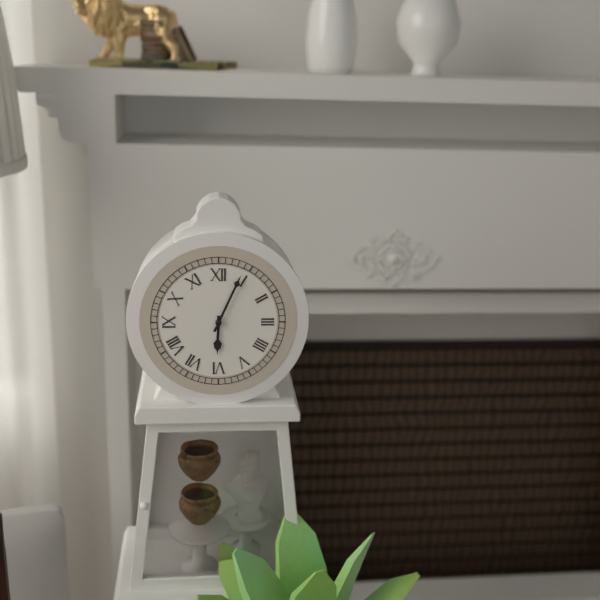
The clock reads 6:04
